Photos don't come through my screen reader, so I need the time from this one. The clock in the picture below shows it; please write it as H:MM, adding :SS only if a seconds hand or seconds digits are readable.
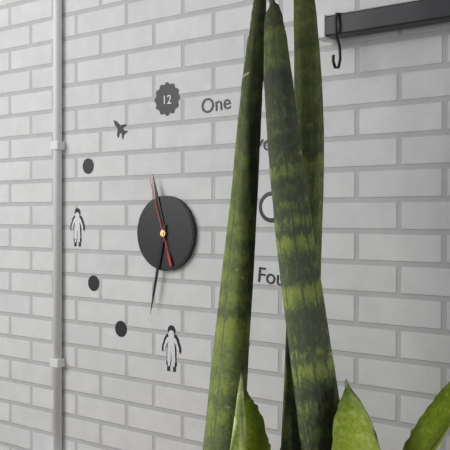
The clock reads 11:32:57
